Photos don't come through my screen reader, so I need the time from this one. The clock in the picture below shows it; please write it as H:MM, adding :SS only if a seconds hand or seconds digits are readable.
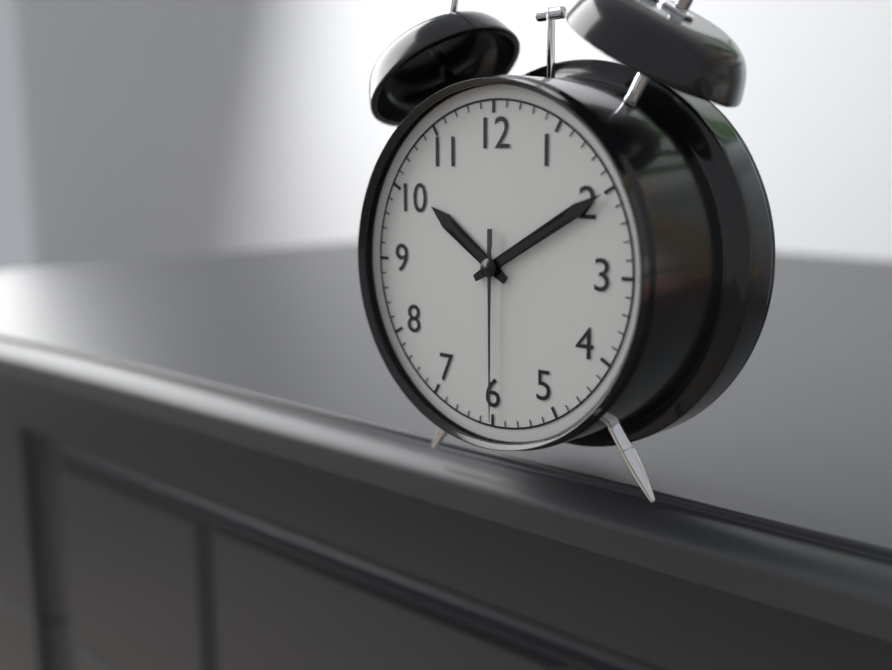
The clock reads 10:10:30
